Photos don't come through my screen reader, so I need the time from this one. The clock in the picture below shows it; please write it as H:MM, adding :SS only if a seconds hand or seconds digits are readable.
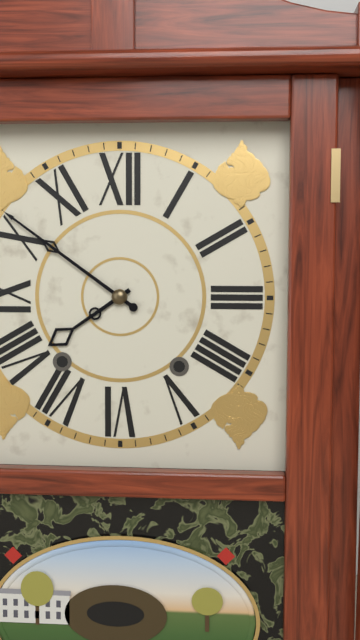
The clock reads 7:51
